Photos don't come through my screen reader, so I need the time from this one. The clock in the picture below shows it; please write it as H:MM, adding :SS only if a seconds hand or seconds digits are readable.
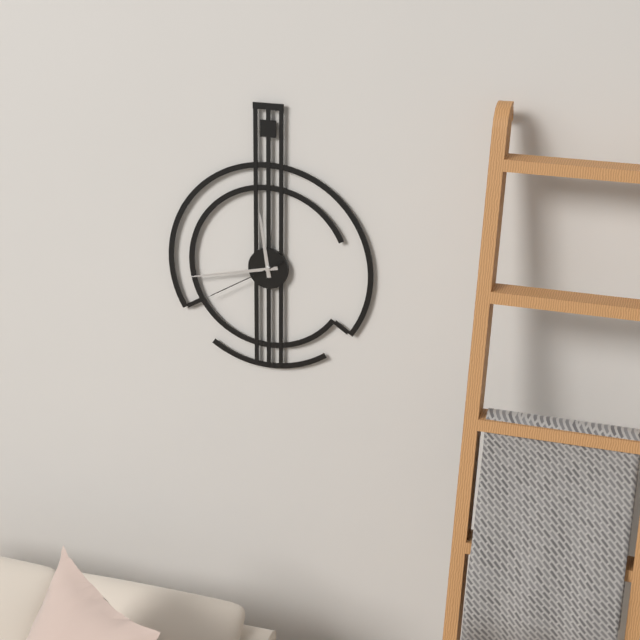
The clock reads 11:43:40
